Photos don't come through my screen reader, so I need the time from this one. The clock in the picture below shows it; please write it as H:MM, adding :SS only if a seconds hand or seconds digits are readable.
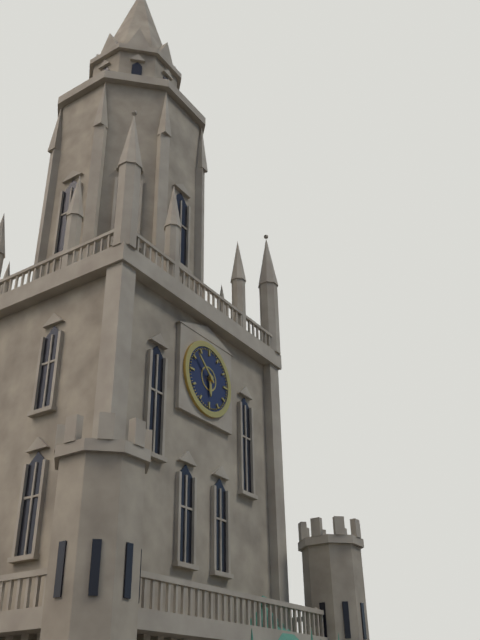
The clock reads 5:52
